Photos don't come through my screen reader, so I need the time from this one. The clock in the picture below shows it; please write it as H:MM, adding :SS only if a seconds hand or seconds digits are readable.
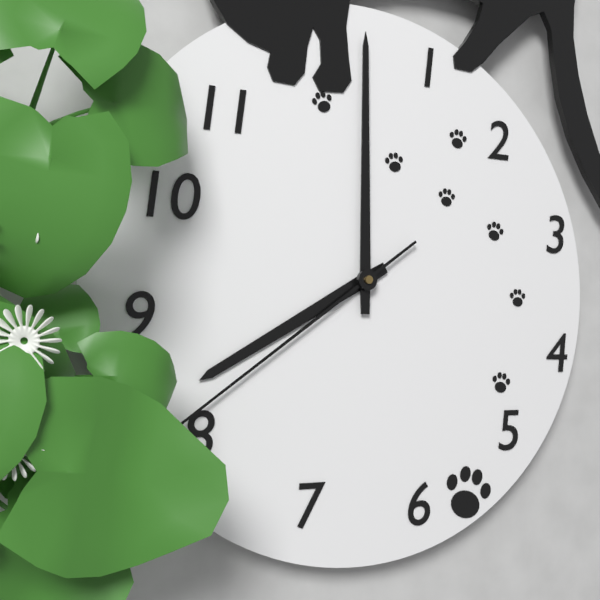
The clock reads 8:00:39
